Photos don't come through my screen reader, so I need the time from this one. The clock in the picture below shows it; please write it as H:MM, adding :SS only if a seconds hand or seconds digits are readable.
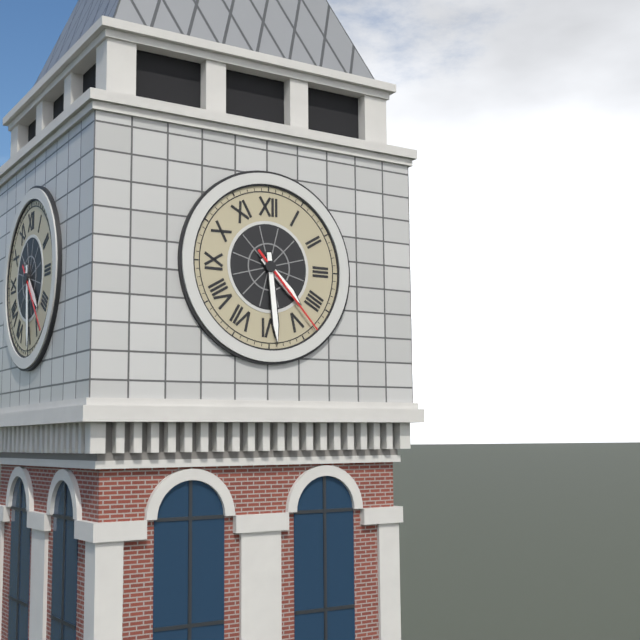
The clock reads 4:29:23
